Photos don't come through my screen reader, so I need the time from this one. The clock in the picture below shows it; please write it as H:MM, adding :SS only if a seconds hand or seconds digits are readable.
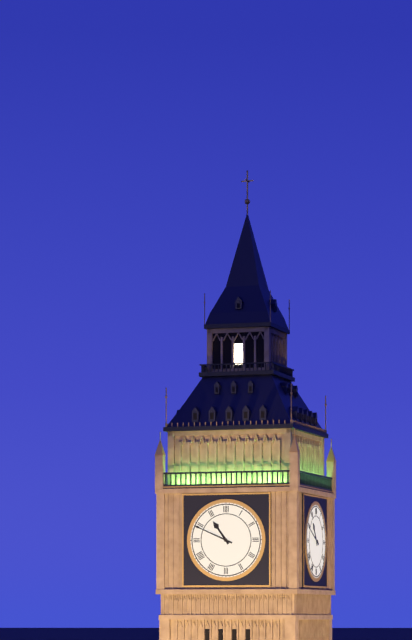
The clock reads 10:49
